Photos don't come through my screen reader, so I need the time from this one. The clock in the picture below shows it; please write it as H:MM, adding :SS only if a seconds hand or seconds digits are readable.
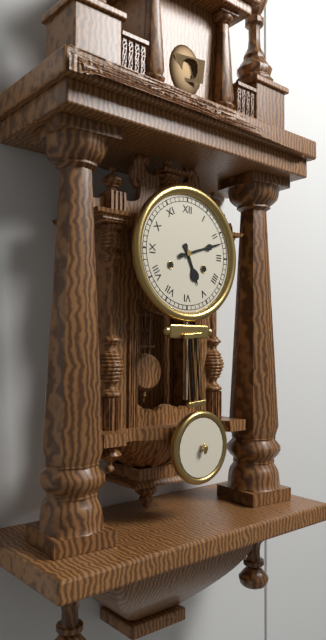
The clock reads 5:12
